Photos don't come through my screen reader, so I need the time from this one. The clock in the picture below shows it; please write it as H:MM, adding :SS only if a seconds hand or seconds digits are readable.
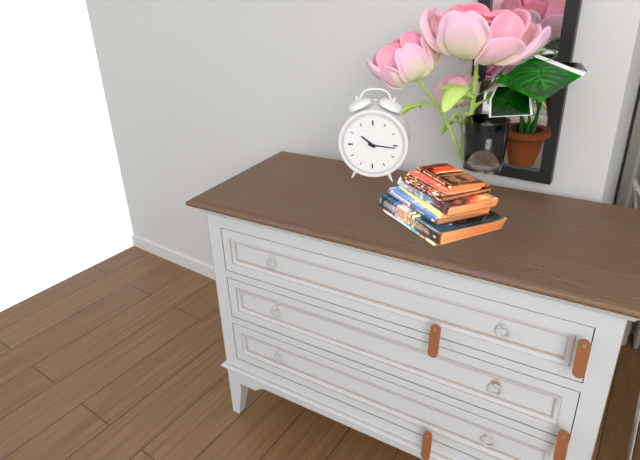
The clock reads 10:16
